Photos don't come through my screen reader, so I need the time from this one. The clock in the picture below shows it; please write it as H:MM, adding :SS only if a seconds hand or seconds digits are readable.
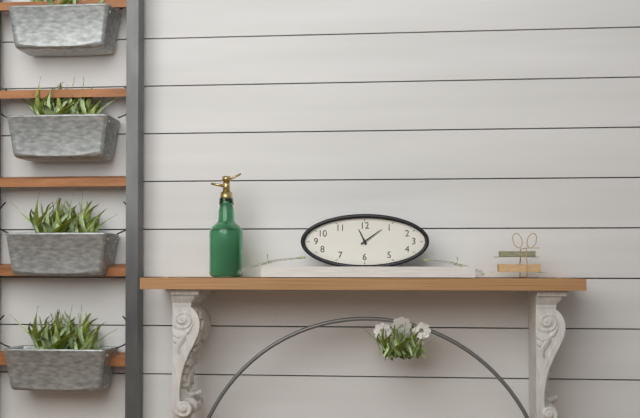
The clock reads 11:09
